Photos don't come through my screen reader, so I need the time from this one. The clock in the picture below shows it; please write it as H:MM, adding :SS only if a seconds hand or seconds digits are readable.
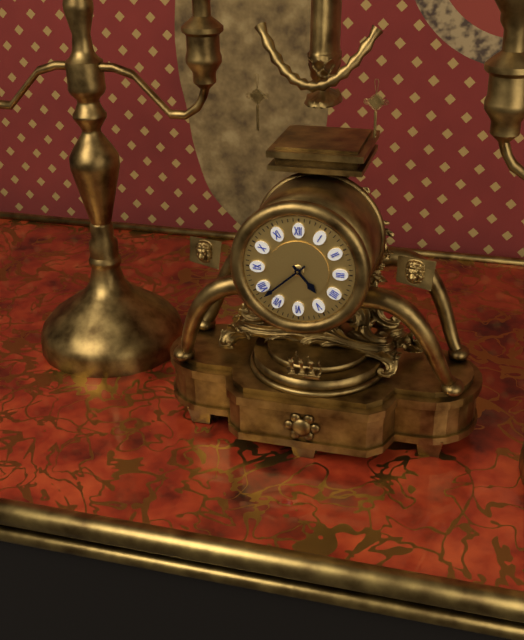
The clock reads 4:38
